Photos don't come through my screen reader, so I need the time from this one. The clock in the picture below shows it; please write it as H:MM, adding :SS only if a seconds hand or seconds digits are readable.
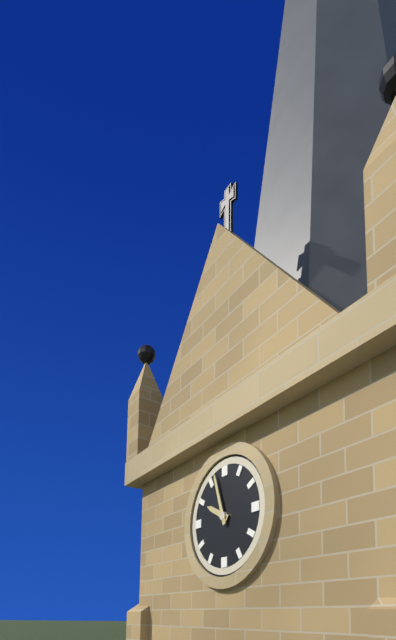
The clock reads 9:57
